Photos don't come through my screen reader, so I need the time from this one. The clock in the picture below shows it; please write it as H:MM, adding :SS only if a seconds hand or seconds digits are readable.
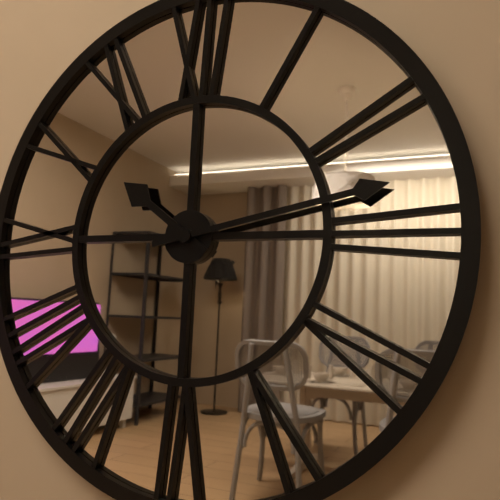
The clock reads 10:13
